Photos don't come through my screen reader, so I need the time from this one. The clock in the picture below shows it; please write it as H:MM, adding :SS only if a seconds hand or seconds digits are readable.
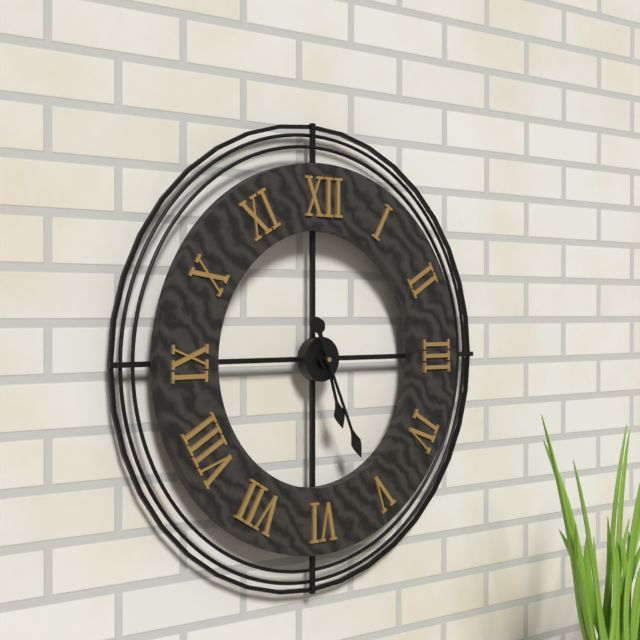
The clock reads 5:26
